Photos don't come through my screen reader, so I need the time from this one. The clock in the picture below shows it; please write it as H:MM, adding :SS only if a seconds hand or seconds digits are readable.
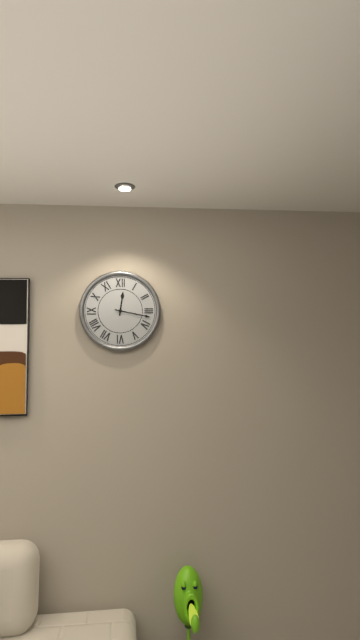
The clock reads 12:17
